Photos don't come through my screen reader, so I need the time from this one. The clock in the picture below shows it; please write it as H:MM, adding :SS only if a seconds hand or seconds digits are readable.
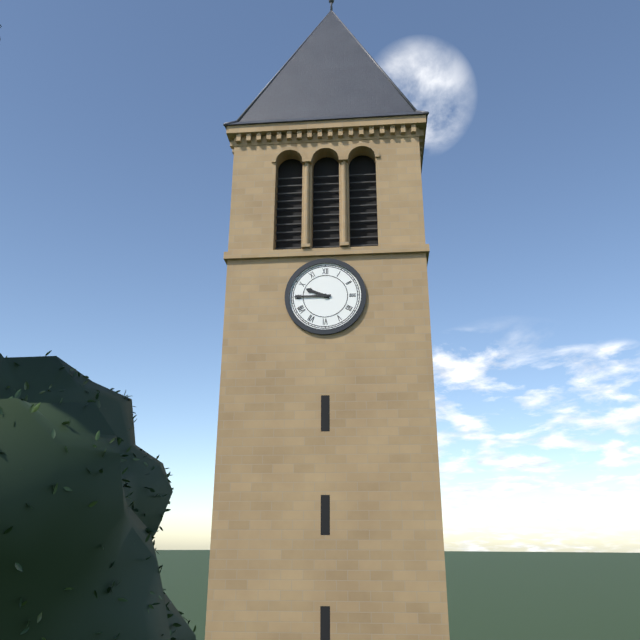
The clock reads 9:45
